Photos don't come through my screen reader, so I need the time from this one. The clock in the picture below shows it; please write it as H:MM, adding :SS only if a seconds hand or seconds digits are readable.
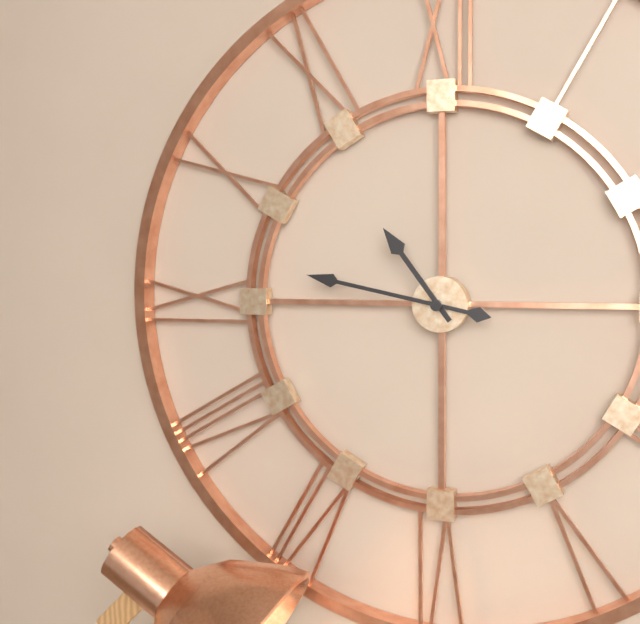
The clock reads 10:47
